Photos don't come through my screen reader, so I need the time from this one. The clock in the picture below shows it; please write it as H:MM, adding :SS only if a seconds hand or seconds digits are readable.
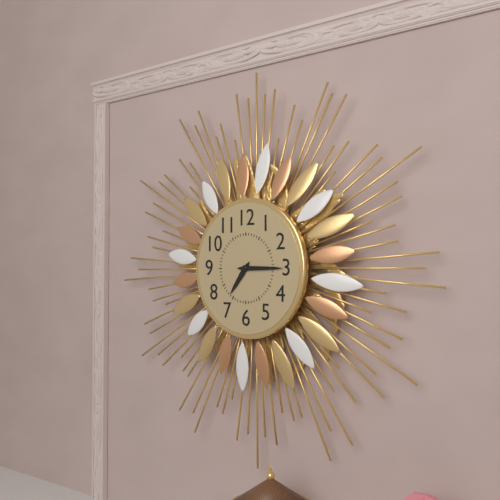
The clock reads 7:15
